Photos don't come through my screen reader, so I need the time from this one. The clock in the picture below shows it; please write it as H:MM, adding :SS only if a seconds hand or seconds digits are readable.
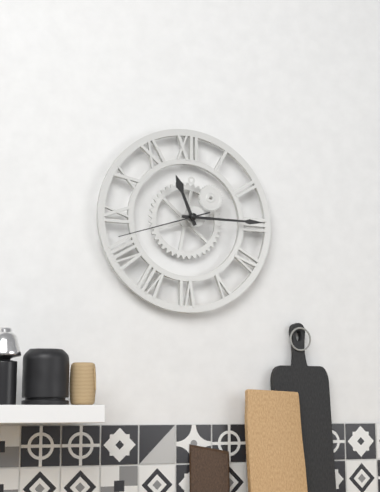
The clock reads 11:15:42
